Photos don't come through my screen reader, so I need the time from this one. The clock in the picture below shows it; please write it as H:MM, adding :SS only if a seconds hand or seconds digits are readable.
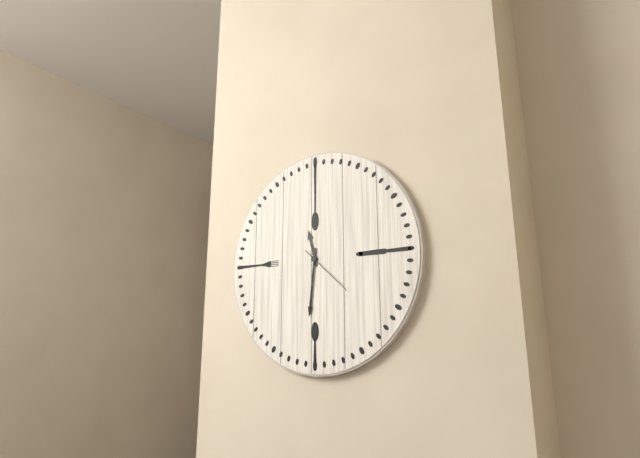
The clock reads 11:31:22
